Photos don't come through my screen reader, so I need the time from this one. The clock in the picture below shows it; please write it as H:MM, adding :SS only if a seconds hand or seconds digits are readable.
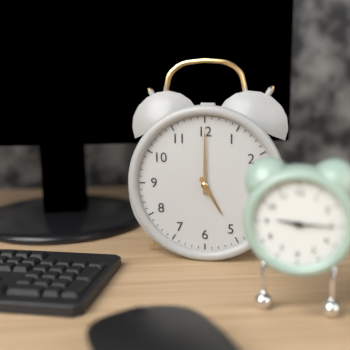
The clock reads 5:00
